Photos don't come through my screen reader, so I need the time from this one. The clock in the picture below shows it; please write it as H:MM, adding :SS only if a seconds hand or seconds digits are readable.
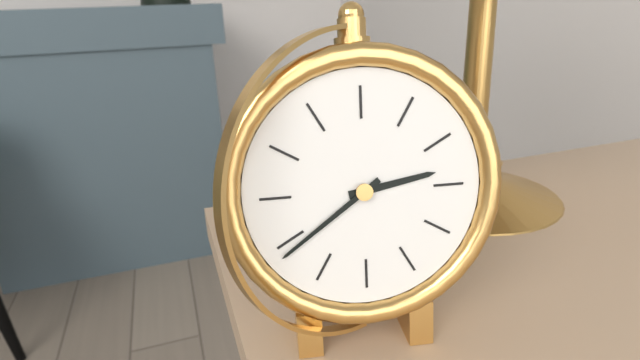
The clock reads 2:39
